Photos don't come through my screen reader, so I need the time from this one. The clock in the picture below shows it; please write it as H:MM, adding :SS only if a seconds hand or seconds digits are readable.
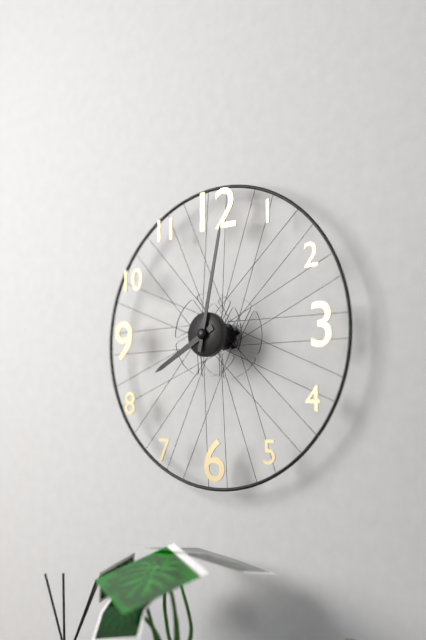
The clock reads 8:02
